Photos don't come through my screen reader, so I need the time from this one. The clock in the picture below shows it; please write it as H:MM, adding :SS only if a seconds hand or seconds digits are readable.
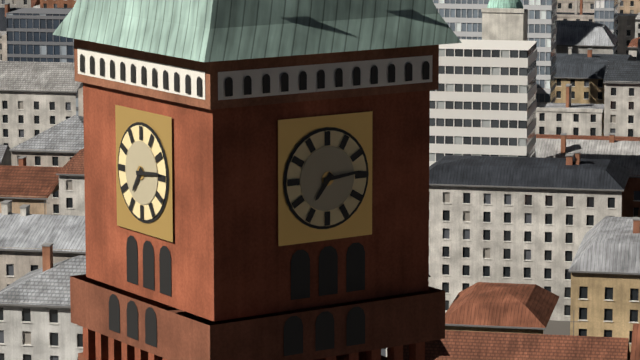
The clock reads 7:14
